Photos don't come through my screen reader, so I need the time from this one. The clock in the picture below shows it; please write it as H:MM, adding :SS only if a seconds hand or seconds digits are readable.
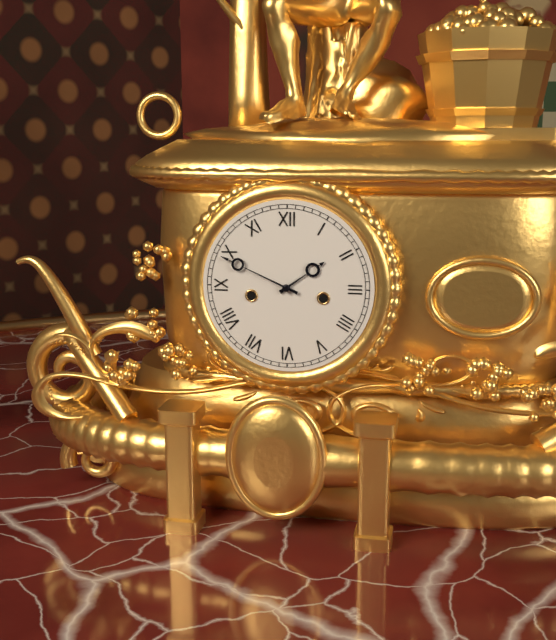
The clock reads 1:49
